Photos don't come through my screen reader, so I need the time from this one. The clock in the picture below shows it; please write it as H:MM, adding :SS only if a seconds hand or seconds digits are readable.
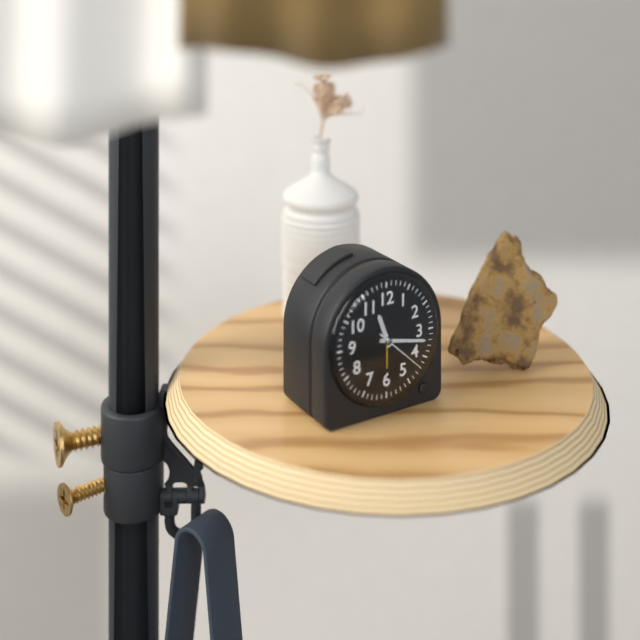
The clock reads 11:17:22
